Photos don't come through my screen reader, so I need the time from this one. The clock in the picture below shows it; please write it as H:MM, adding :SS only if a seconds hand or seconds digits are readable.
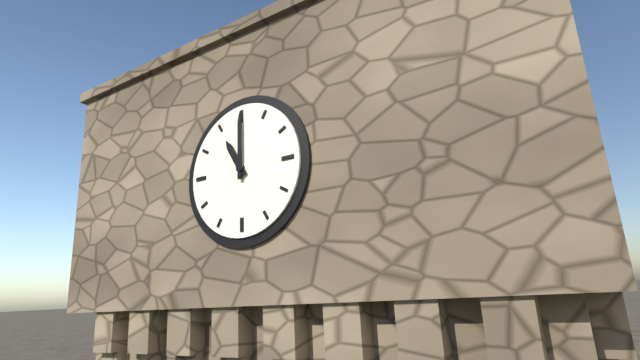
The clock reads 11:00
